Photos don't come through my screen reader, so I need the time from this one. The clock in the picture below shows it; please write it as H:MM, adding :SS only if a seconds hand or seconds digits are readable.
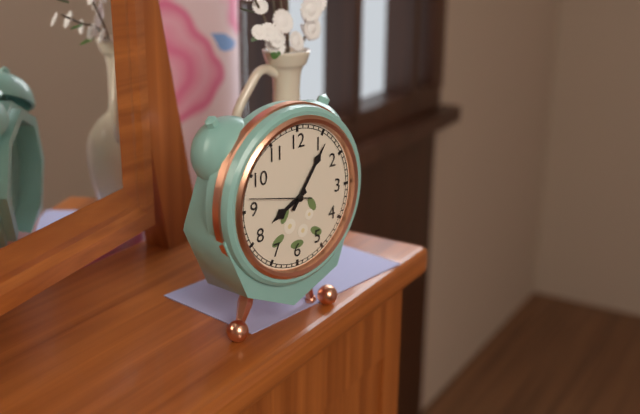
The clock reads 8:06:47
